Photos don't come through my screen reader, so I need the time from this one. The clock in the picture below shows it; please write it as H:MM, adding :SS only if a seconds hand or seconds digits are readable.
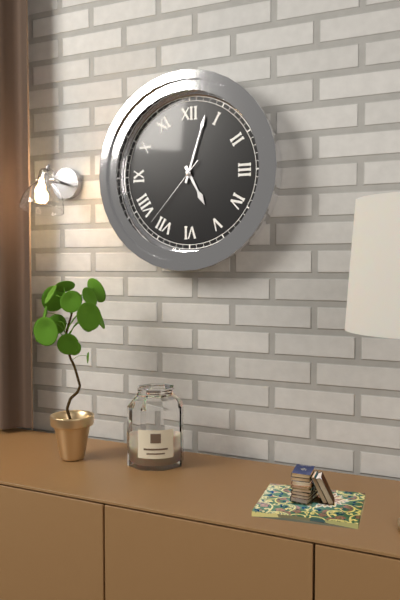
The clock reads 5:03:37
